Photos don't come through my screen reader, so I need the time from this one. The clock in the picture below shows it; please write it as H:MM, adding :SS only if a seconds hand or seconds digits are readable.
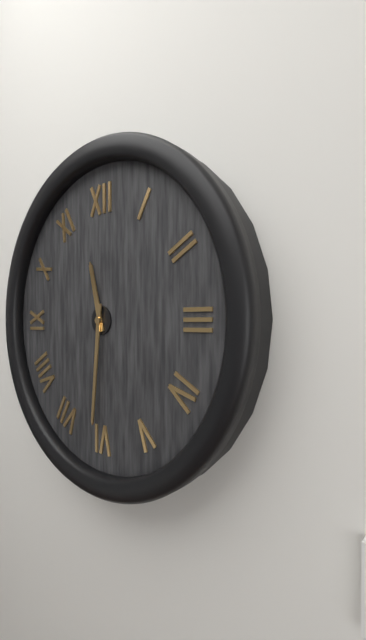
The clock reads 11:31
